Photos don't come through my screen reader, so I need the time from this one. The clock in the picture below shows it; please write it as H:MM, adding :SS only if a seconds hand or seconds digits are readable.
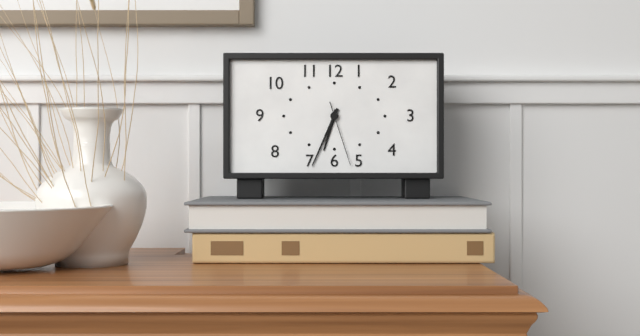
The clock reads 6:34:27
